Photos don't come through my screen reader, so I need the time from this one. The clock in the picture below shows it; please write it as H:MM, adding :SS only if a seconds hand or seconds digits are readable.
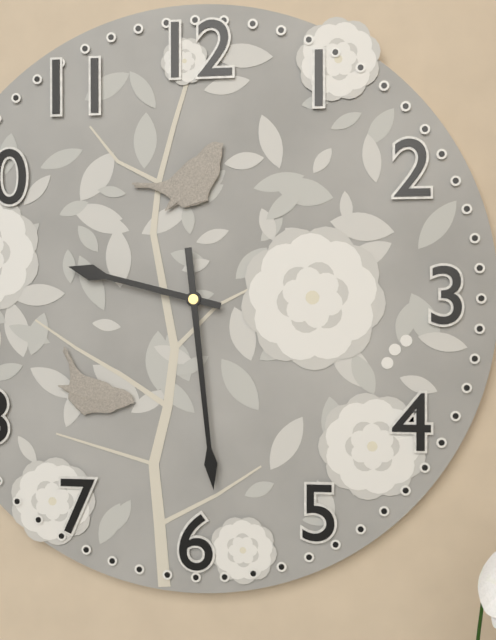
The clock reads 9:29
